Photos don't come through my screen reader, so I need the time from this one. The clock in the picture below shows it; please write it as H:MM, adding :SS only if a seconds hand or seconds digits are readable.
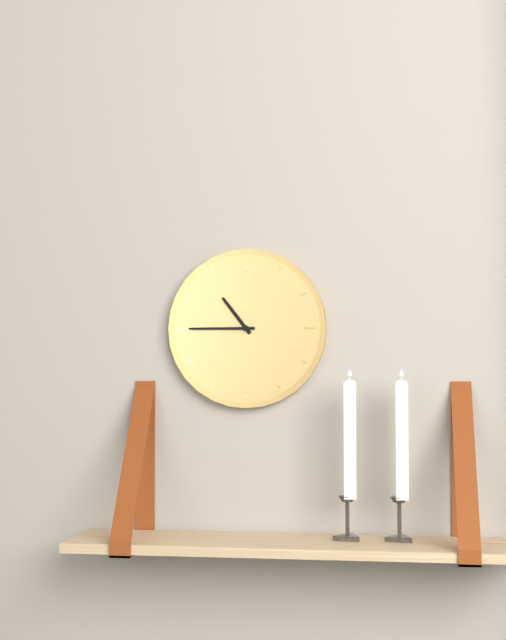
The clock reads 10:45
